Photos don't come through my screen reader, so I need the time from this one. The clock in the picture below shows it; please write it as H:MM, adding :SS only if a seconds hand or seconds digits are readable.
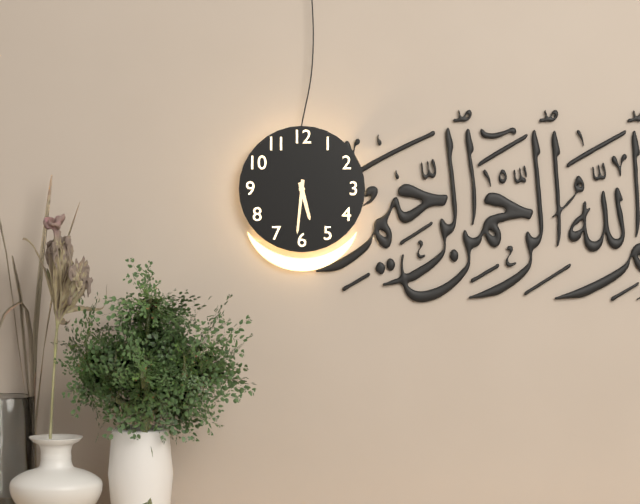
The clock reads 5:31
